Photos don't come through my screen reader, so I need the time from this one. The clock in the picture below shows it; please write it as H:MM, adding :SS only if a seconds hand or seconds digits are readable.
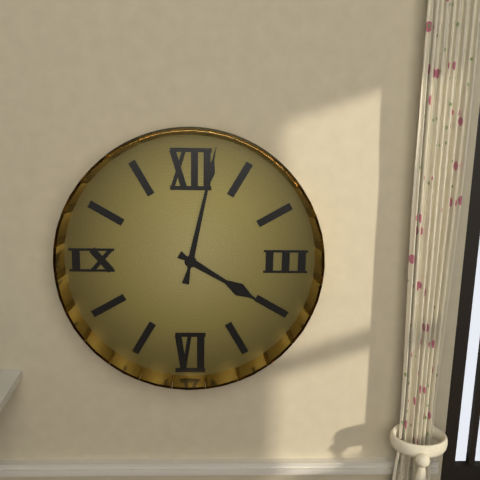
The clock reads 4:02
